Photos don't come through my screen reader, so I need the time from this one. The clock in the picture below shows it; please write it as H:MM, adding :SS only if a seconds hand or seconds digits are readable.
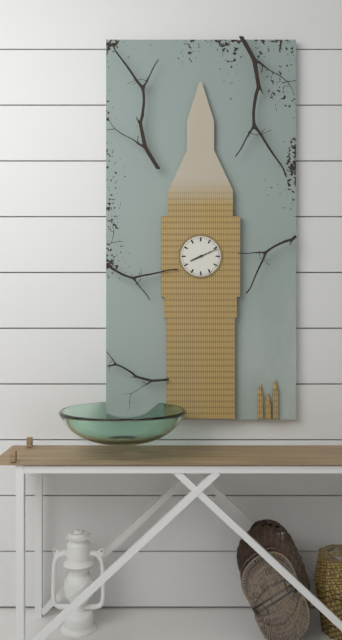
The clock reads 8:11
